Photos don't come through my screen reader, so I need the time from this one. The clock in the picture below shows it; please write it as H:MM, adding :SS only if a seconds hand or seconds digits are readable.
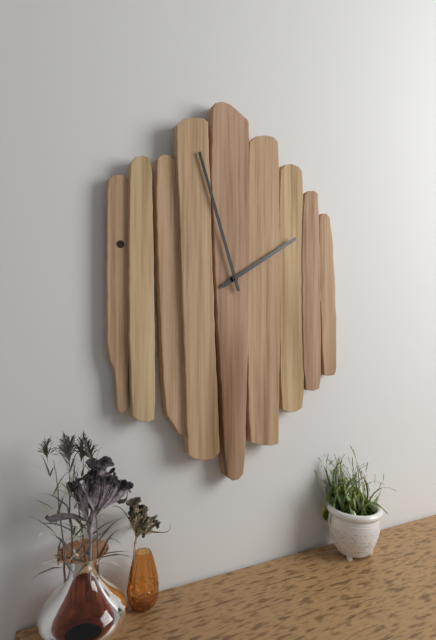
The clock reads 1:57
